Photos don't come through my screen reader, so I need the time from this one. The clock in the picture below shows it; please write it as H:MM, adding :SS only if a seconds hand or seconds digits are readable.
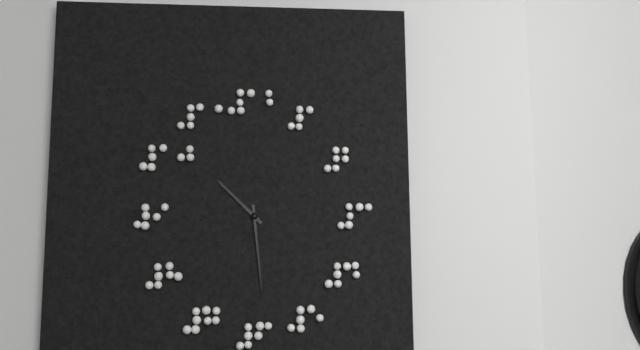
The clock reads 10:29
